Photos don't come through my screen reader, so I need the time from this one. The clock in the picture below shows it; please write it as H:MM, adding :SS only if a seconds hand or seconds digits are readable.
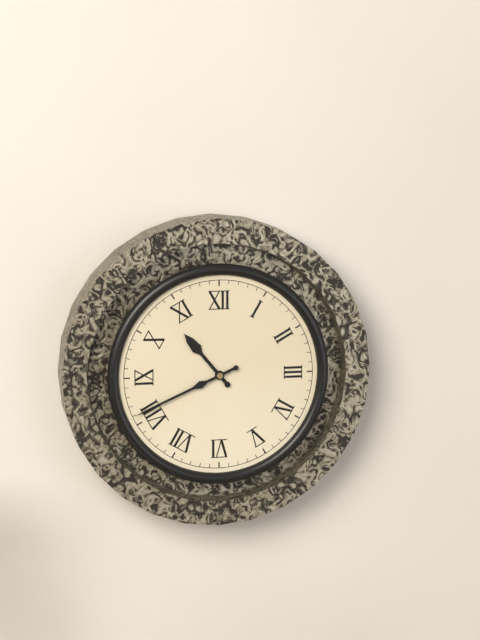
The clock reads 10:41
